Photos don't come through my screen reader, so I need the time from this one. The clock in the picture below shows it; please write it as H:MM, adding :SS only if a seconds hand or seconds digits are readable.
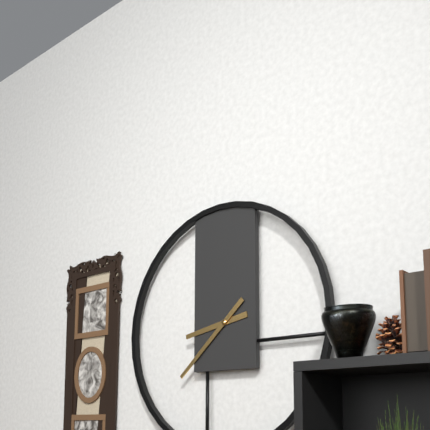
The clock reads 8:38
